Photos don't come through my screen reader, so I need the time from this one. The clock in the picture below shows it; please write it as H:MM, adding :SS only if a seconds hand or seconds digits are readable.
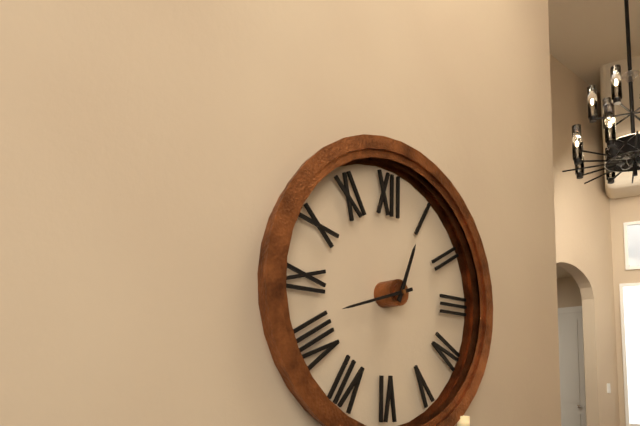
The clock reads 12:42
